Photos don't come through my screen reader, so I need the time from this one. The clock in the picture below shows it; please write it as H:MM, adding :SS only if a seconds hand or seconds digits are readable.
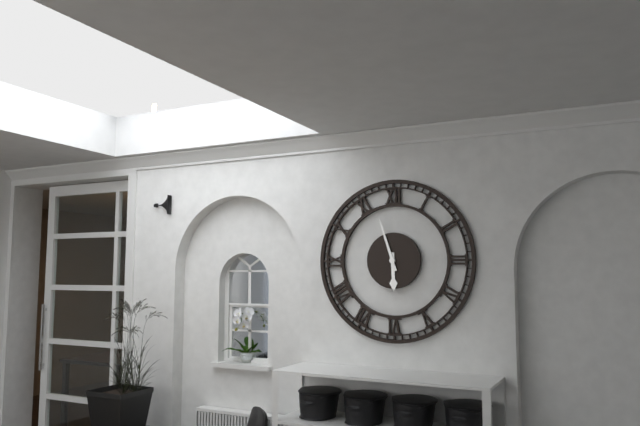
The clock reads 5:57
